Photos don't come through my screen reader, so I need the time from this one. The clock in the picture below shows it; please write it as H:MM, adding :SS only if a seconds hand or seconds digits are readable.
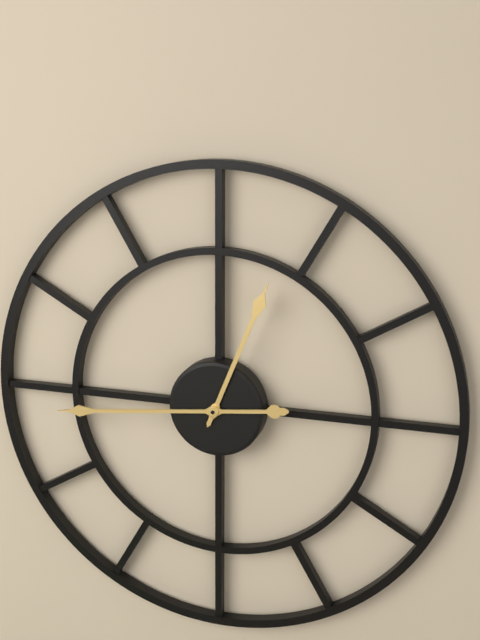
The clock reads 12:44
